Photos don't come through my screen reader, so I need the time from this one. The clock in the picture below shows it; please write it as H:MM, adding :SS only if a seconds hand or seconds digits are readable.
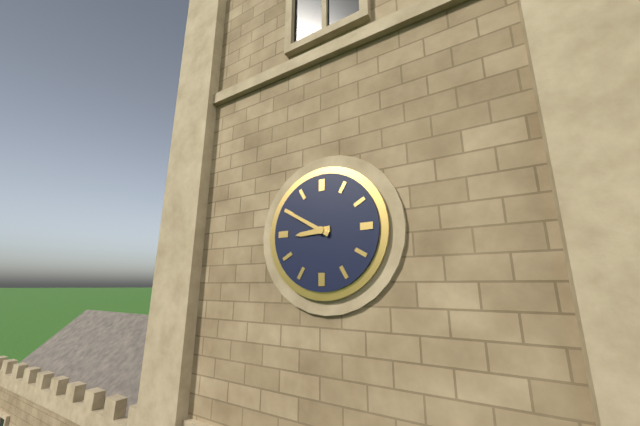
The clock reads 8:50
